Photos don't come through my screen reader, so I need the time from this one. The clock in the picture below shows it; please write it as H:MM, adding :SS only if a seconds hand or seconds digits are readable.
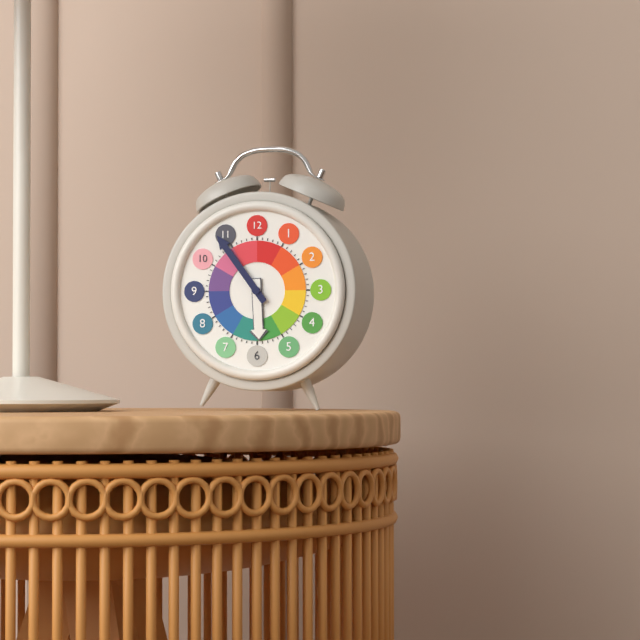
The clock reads 5:54
